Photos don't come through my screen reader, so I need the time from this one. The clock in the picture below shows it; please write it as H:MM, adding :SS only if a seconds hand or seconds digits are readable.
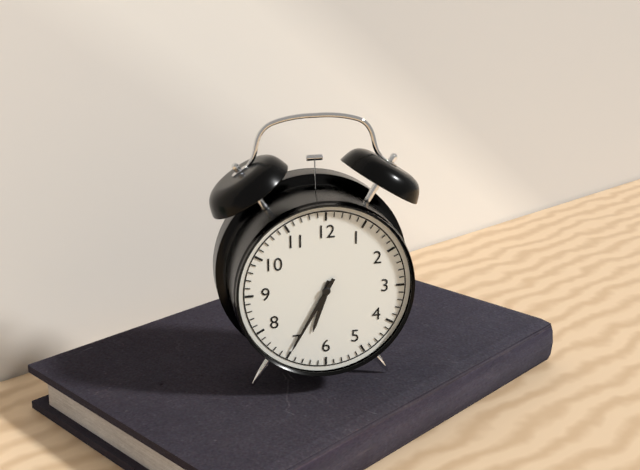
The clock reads 6:35
